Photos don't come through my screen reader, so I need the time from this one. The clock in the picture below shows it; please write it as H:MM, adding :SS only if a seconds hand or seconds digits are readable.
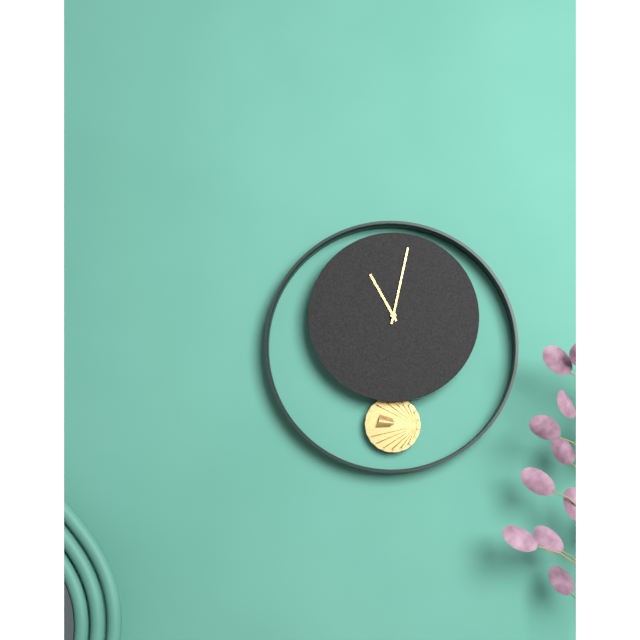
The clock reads 11:02
